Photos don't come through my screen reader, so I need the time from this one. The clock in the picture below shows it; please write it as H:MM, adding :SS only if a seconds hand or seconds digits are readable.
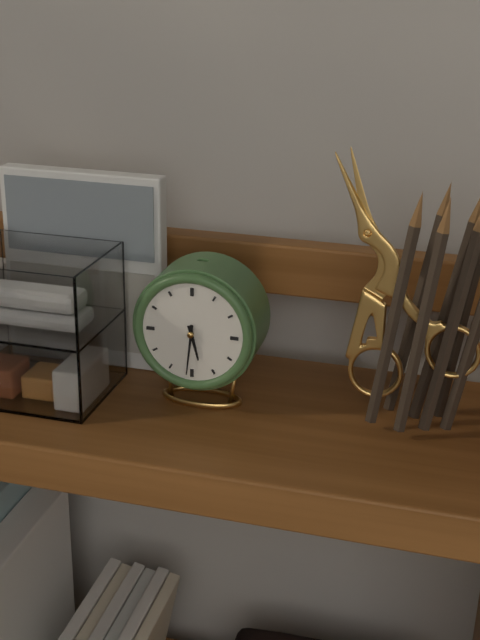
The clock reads 5:31
